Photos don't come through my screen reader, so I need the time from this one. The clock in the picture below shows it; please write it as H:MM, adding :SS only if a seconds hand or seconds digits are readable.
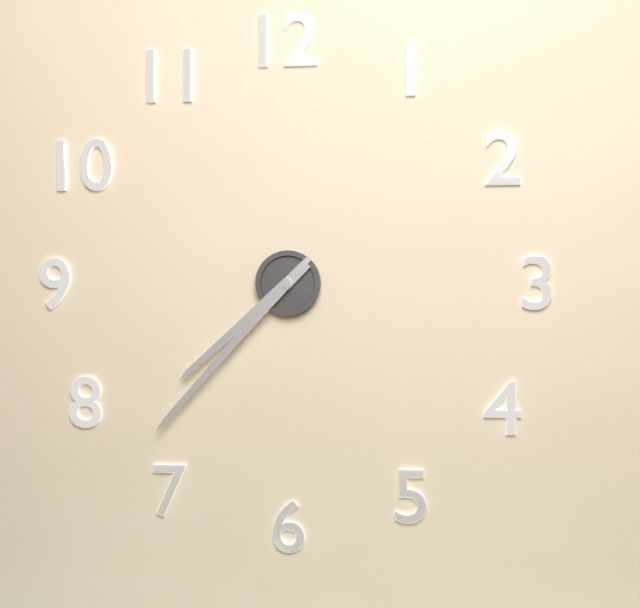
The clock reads 7:37
